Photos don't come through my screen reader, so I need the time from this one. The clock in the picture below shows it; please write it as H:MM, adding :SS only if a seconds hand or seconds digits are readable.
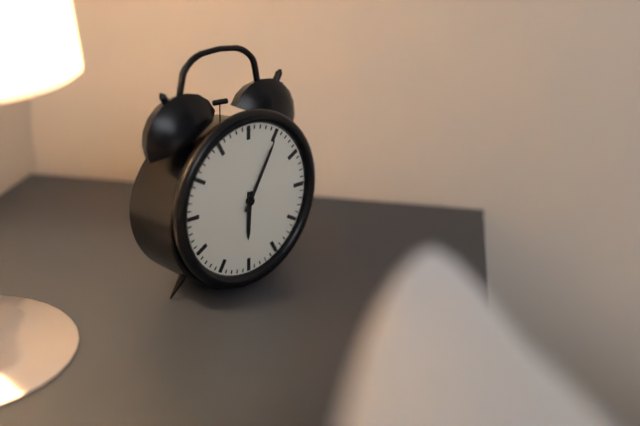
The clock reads 6:05
